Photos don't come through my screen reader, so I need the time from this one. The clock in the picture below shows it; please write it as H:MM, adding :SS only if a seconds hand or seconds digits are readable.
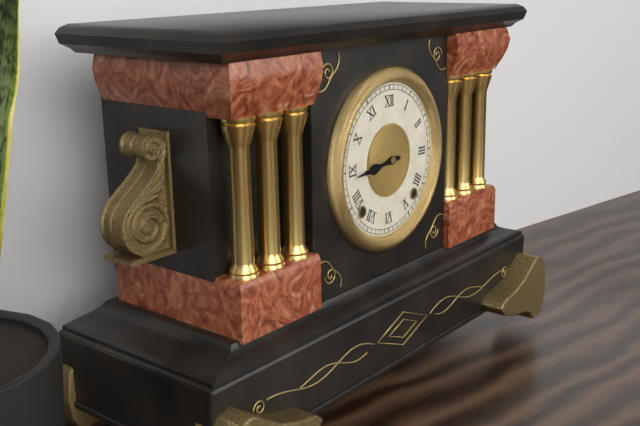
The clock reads 8:44
